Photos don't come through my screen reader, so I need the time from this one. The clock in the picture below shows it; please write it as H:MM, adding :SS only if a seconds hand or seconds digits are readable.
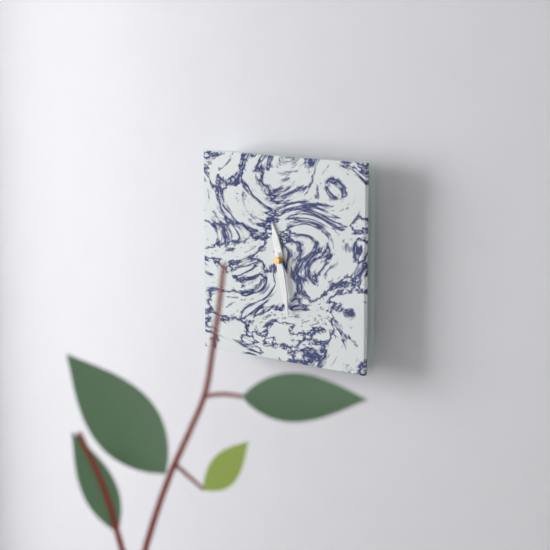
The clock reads 11:28
